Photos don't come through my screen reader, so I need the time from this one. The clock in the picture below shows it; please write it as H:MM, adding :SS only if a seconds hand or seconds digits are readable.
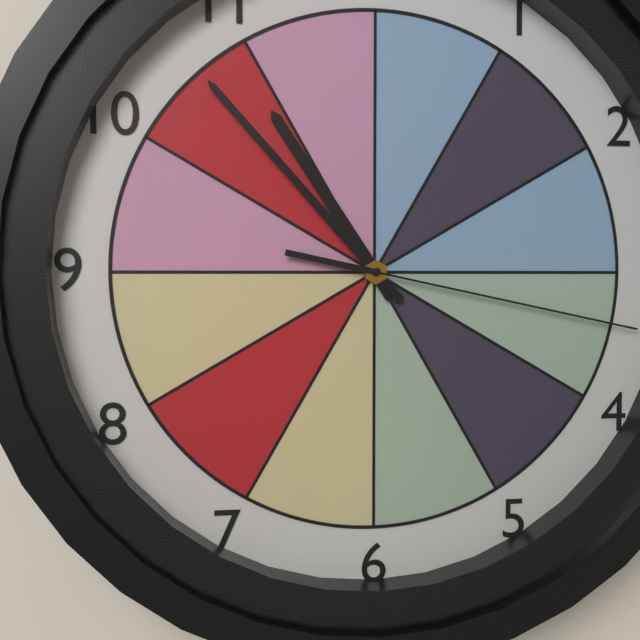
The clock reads 10:53:17
